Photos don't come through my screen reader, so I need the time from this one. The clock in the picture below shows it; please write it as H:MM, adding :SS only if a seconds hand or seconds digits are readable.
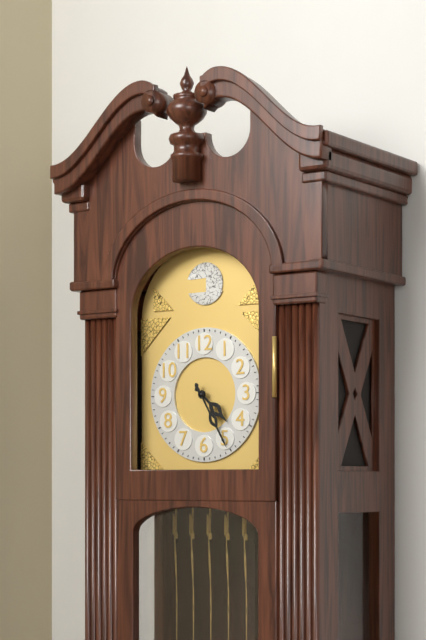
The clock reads 4:25
